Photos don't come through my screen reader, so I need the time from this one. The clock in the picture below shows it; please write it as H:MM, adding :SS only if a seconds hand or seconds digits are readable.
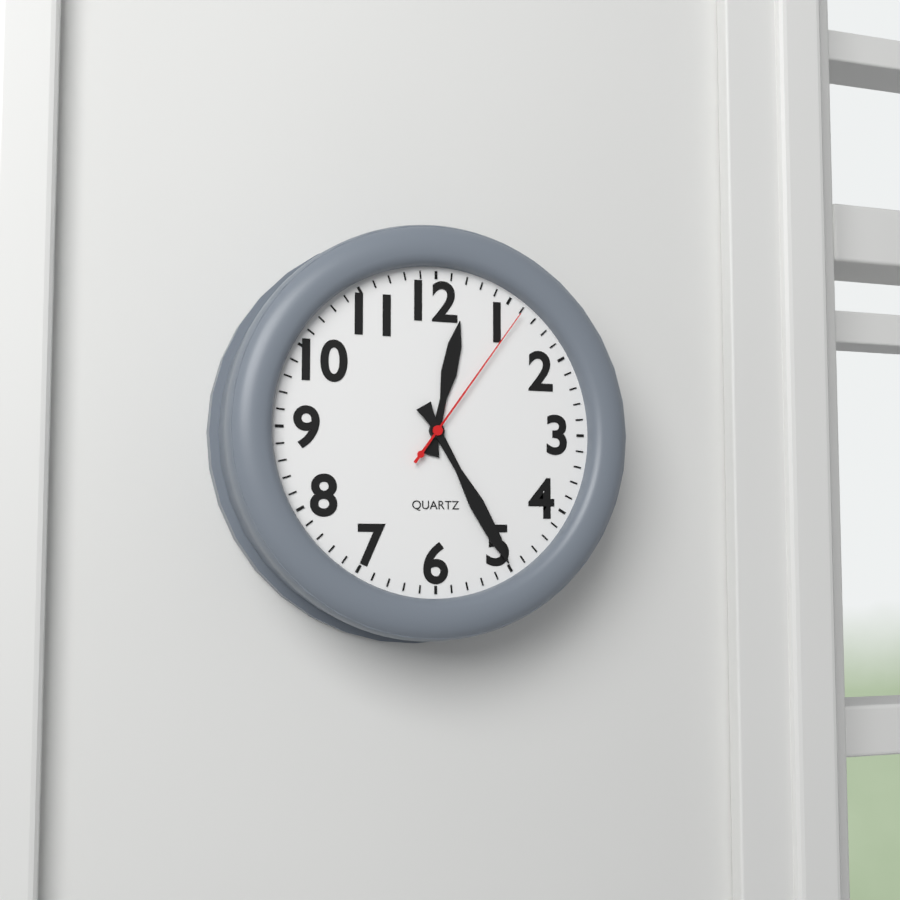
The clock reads 12:25:06
